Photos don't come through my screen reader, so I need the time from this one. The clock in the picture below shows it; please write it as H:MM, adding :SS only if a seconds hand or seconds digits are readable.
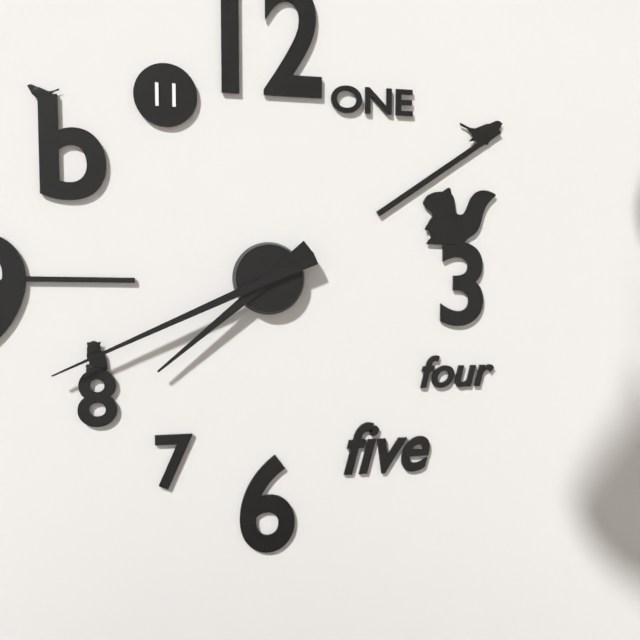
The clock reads 7:41
